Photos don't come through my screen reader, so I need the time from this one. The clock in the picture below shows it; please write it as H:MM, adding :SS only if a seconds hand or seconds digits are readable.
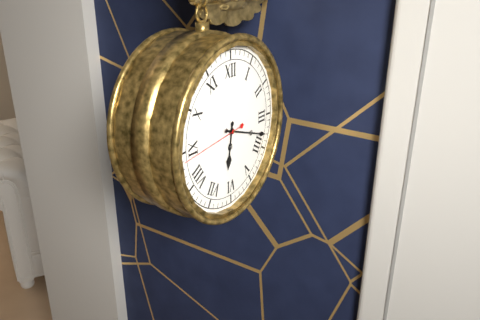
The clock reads 6:18:44
